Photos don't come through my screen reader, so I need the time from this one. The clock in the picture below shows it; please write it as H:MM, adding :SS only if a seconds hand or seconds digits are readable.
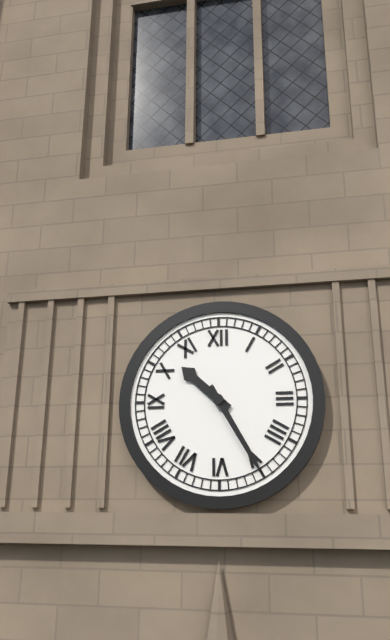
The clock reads 10:25
